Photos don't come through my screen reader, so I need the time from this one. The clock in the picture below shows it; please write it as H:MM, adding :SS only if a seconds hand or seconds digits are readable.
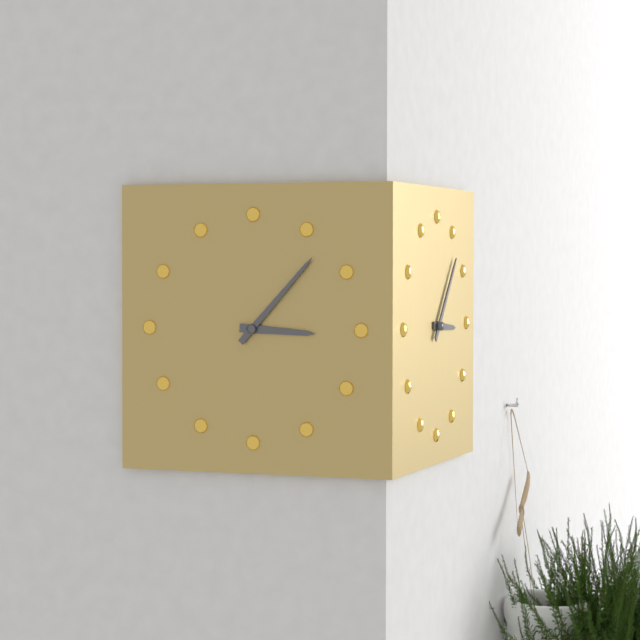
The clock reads 3:07
